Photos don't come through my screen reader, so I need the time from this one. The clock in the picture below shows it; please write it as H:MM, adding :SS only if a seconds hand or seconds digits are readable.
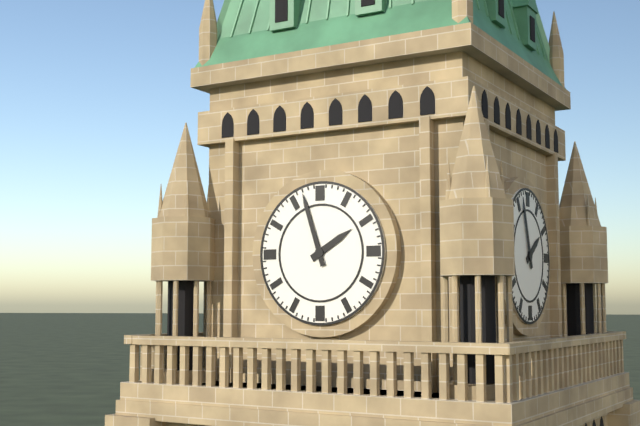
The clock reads 1:57
